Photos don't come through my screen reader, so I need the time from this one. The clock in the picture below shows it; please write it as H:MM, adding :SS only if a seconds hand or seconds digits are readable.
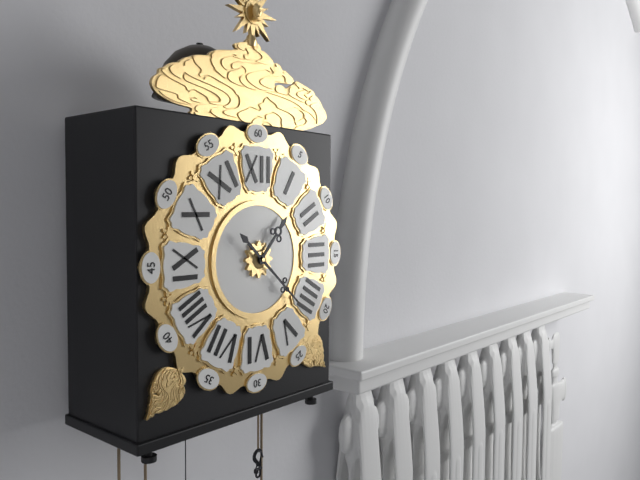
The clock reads 1:22
